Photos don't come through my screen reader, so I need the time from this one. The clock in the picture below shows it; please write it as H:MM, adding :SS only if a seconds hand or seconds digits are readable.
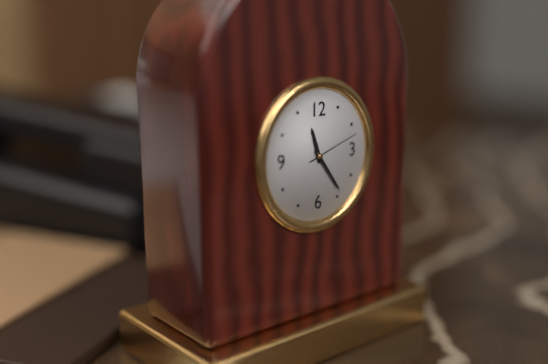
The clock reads 11:24:12
